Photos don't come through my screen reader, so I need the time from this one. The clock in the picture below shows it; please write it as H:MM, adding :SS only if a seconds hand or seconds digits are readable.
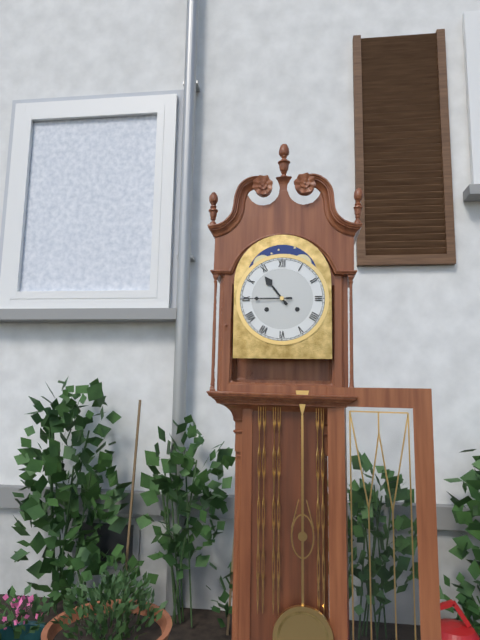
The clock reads 10:45
